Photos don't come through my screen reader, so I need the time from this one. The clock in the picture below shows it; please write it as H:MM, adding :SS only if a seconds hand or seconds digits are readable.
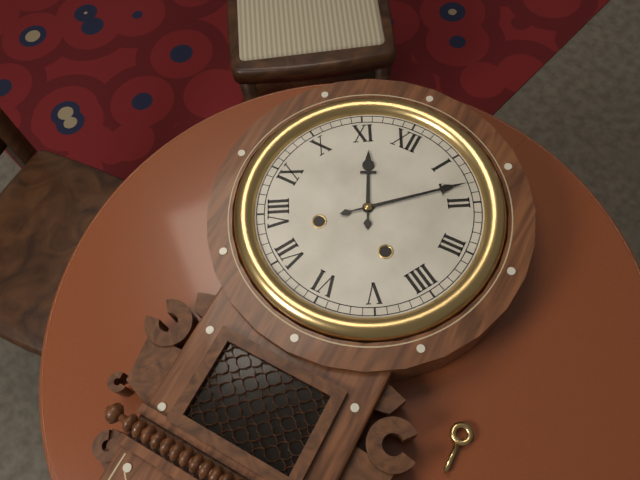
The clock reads 11:08
